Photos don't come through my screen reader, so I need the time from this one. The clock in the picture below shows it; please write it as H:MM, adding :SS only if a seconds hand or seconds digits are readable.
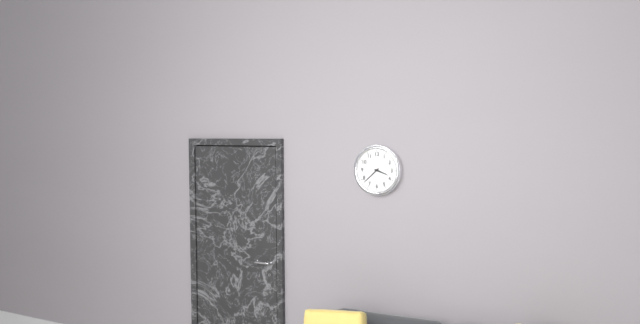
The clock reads 3:38
